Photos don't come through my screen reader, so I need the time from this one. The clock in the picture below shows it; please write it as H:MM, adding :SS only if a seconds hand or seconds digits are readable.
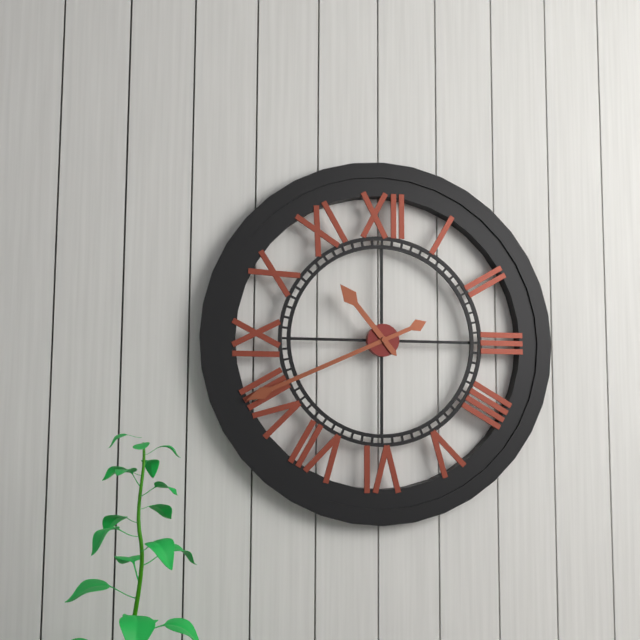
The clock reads 10:41
